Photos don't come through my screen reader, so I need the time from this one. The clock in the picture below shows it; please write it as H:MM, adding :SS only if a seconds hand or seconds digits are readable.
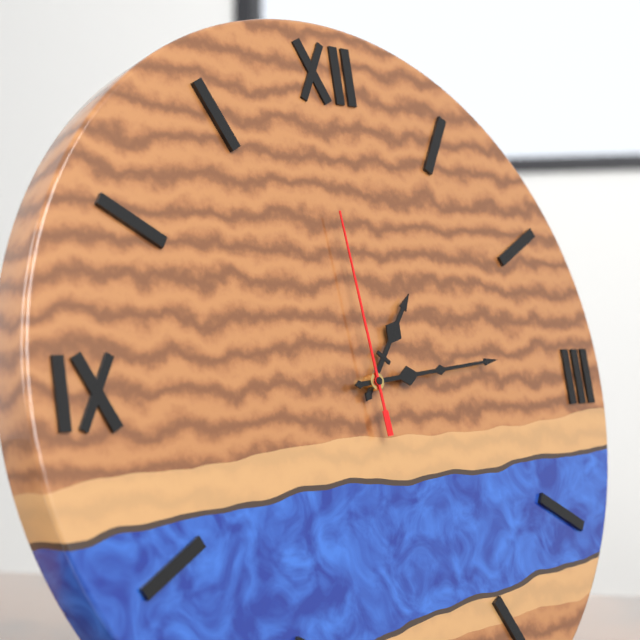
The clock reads 1:14:59
